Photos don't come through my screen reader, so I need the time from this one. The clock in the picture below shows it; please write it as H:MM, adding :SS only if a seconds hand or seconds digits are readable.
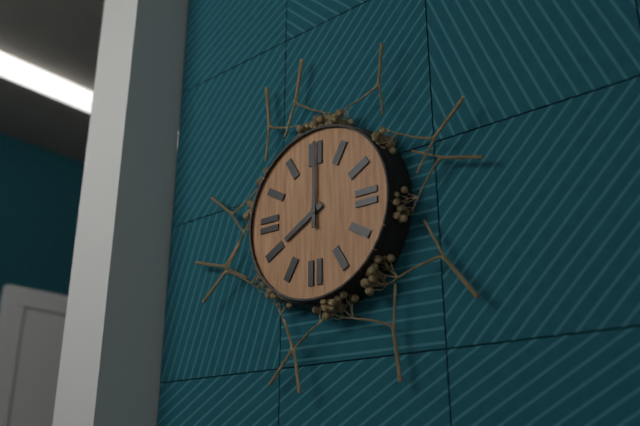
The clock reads 8:00
